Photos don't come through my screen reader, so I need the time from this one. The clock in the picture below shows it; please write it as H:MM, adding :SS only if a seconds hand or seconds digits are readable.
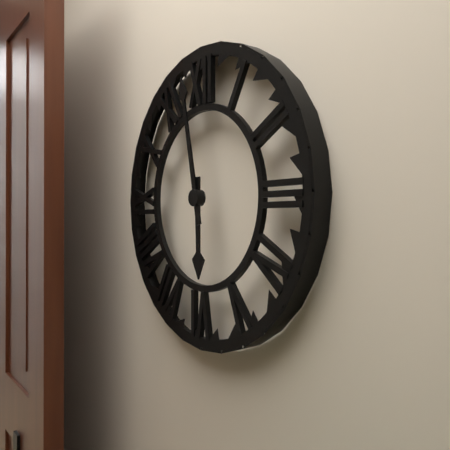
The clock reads 5:58
